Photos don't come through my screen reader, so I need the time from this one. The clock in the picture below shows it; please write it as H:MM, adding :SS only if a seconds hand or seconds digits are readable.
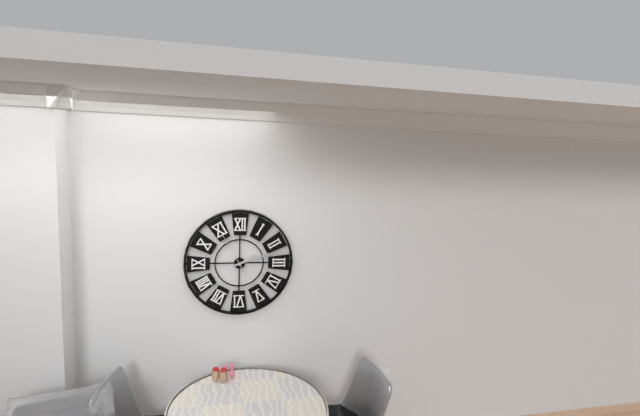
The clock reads 2:12
